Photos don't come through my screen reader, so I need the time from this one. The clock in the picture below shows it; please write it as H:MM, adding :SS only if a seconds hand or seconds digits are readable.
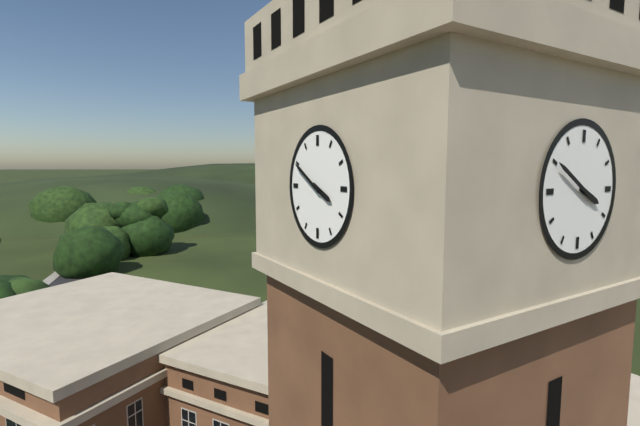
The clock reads 3:50
